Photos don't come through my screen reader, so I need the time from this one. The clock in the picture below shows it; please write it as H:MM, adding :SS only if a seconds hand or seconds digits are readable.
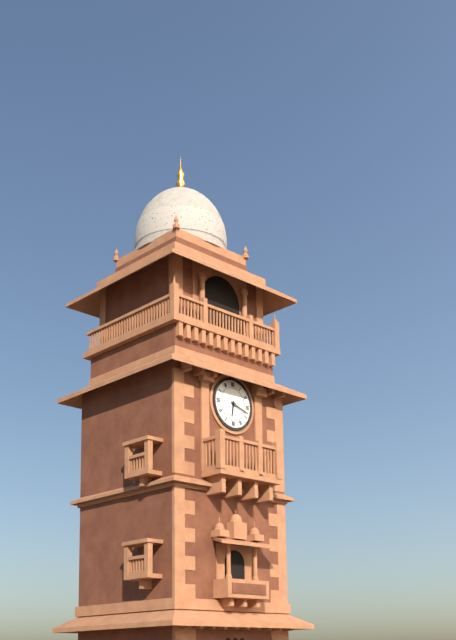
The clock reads 6:18
